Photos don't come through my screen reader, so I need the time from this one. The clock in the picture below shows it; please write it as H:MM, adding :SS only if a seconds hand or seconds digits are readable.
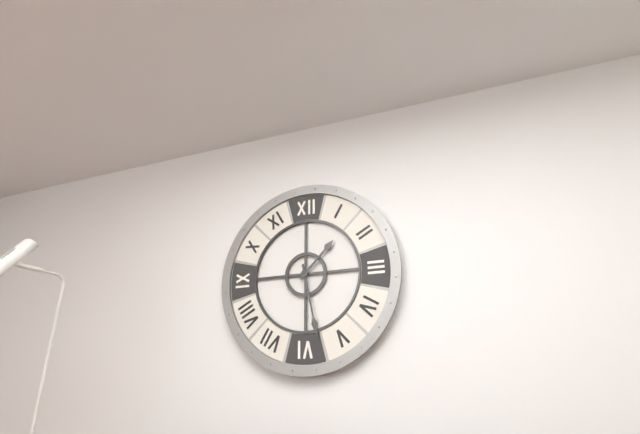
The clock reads 1:28
